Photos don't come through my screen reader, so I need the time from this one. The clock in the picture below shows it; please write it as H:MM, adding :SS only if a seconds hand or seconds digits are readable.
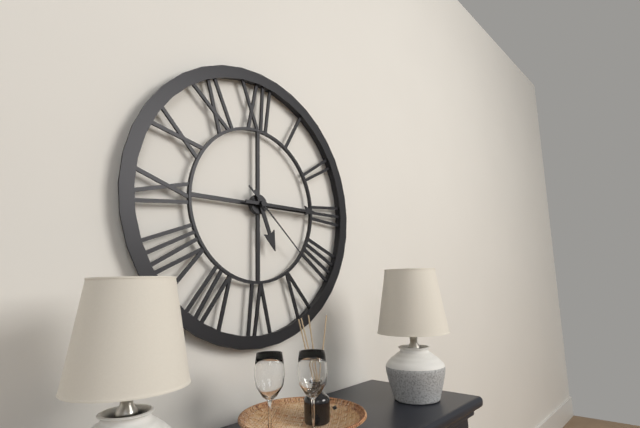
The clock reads 5:15:22
